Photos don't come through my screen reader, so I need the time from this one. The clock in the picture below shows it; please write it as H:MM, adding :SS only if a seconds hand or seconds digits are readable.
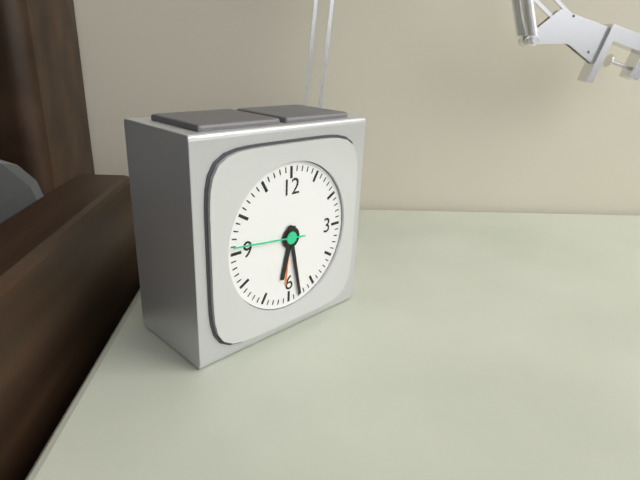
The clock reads 6:28
